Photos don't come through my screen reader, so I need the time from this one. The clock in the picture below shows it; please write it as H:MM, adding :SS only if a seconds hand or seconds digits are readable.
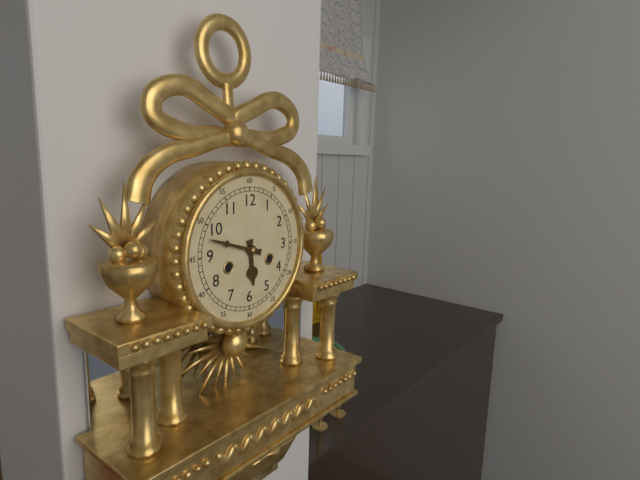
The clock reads 5:48
